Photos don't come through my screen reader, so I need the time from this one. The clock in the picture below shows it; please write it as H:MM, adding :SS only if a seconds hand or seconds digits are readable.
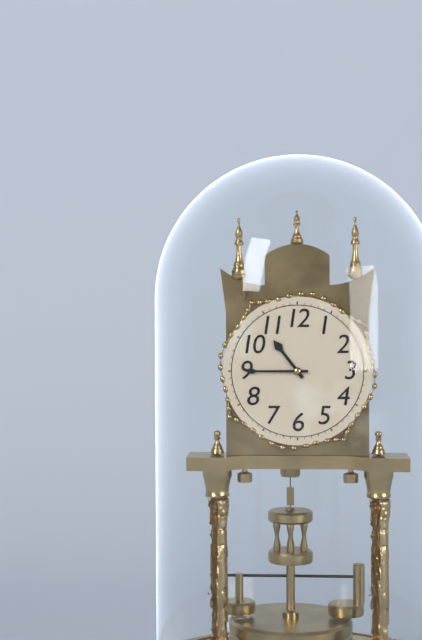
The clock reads 10:45
